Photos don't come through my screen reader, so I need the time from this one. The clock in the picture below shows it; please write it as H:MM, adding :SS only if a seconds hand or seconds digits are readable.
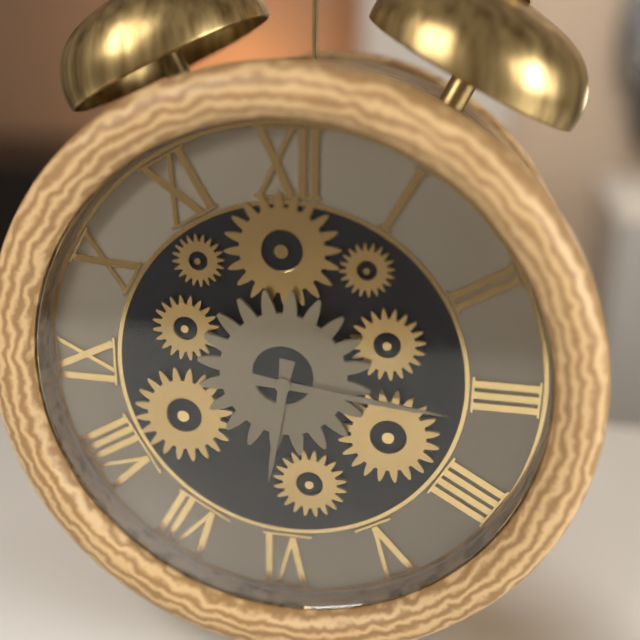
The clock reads 6:16
